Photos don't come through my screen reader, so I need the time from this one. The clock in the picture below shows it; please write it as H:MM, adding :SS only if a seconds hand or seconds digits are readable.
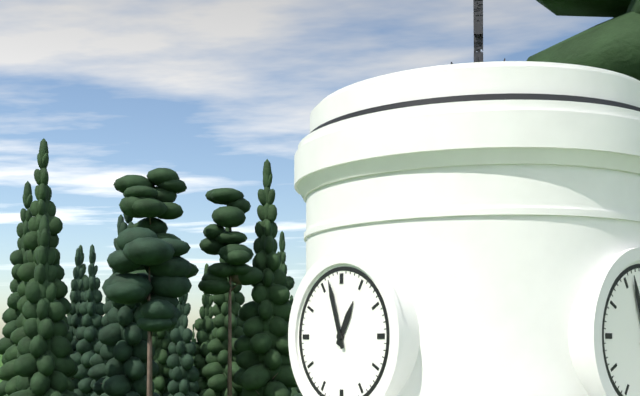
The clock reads 12:57
